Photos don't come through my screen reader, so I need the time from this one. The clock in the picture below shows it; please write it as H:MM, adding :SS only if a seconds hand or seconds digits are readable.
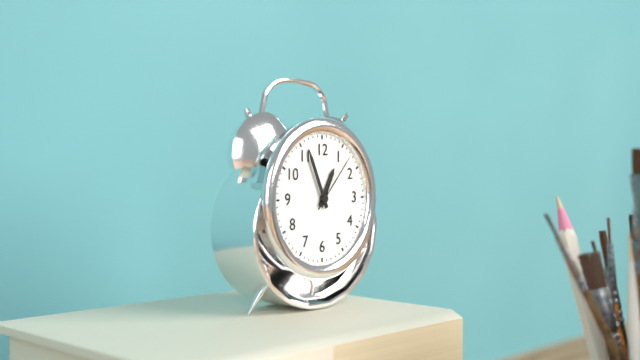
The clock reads 12:56:07
